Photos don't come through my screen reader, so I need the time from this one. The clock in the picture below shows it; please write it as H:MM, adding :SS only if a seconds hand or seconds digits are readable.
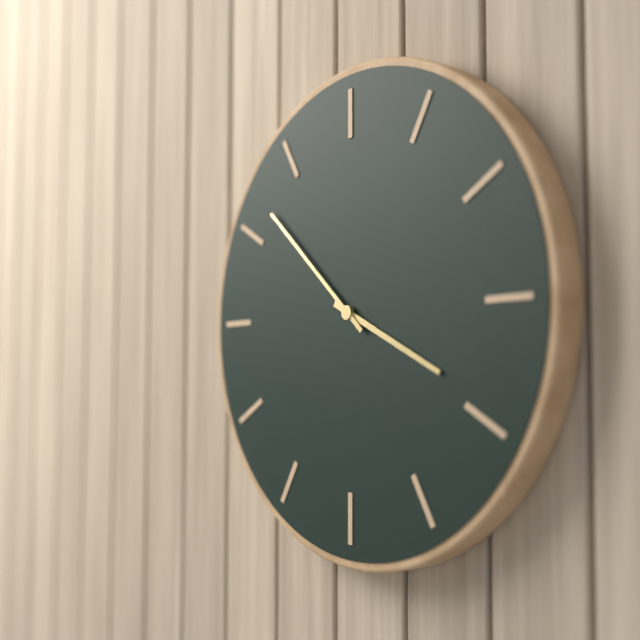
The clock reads 3:52
